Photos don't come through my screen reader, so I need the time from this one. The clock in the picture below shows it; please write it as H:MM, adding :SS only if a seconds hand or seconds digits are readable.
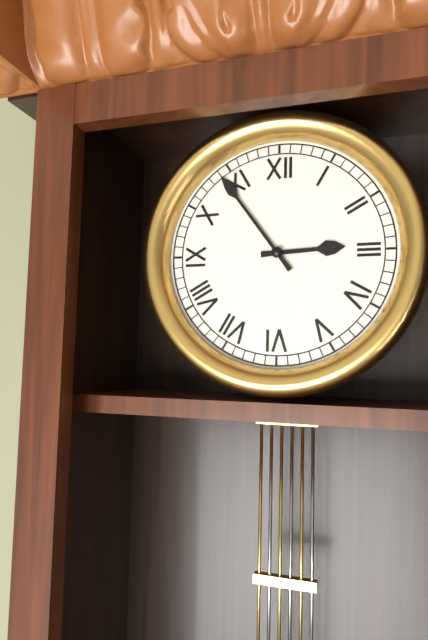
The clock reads 2:54
